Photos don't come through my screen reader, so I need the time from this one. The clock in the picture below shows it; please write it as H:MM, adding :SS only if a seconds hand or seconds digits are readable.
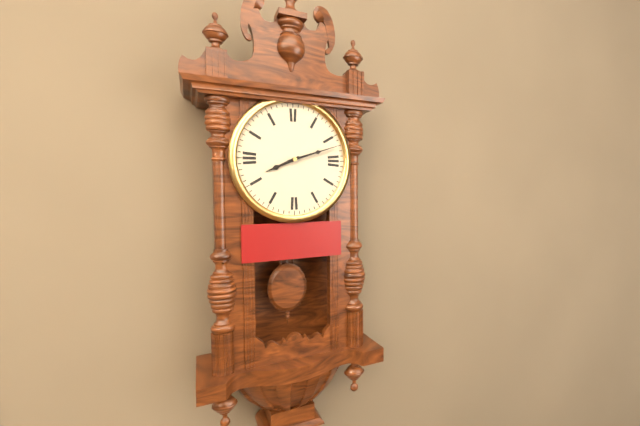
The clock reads 8:12
